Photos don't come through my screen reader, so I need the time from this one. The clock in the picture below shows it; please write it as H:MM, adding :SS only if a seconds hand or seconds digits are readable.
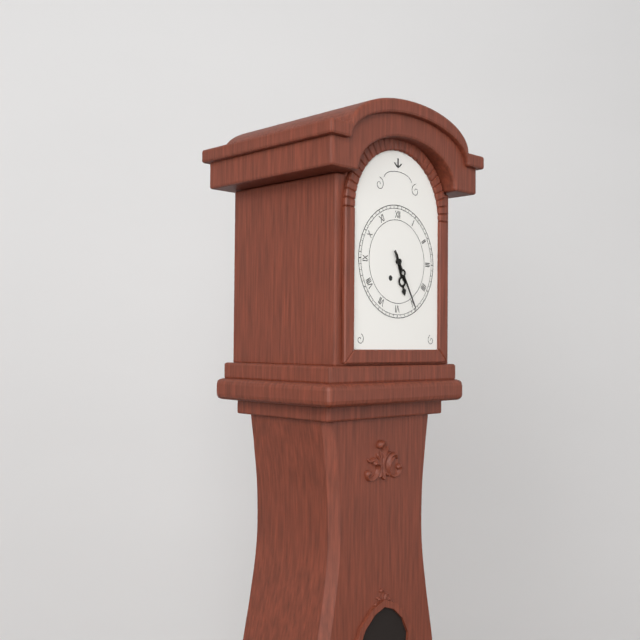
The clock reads 5:25
